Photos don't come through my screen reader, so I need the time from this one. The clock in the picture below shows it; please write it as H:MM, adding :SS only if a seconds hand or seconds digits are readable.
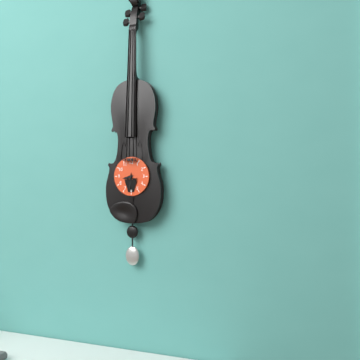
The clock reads 8:31
